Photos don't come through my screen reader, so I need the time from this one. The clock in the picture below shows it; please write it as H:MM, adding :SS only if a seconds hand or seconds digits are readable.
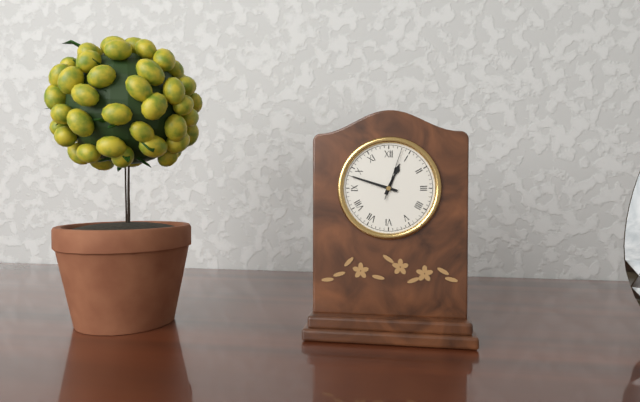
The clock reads 12:48:03
